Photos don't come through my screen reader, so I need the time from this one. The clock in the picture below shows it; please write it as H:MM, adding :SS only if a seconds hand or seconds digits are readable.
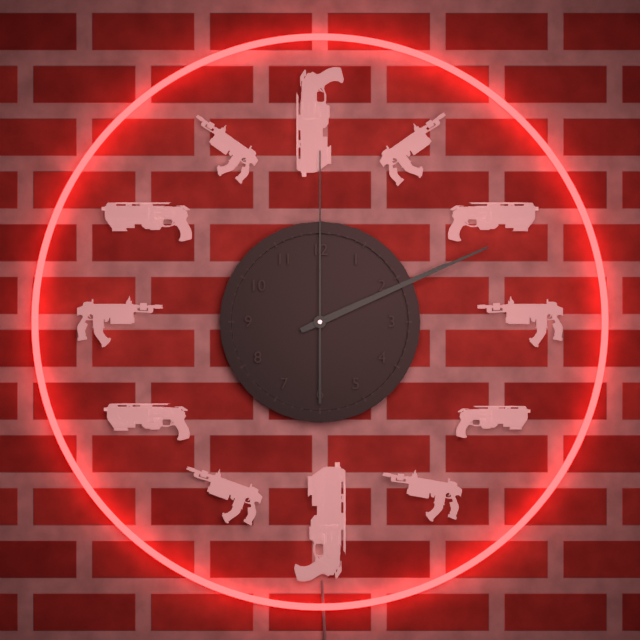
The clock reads 2:11:00
